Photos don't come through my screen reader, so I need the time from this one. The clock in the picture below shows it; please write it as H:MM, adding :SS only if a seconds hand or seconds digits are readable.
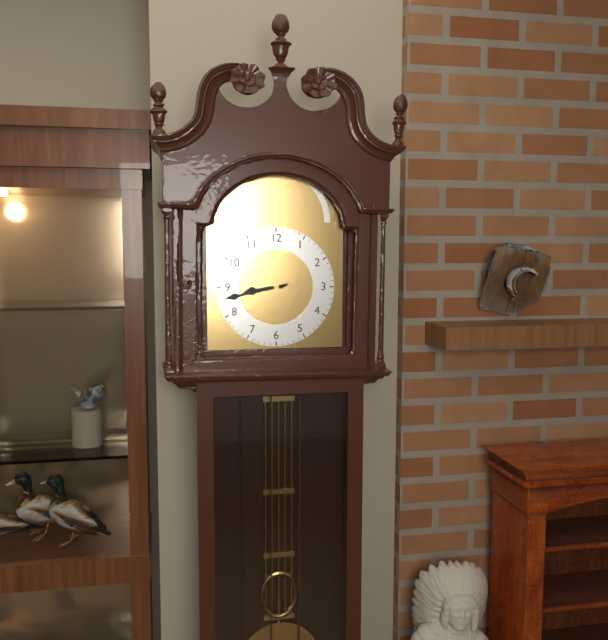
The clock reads 8:43
